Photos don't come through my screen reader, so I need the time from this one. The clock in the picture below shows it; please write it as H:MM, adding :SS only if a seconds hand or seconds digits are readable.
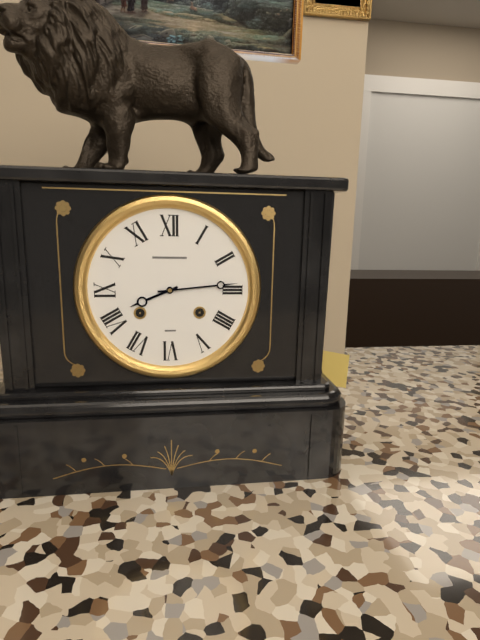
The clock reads 8:14
